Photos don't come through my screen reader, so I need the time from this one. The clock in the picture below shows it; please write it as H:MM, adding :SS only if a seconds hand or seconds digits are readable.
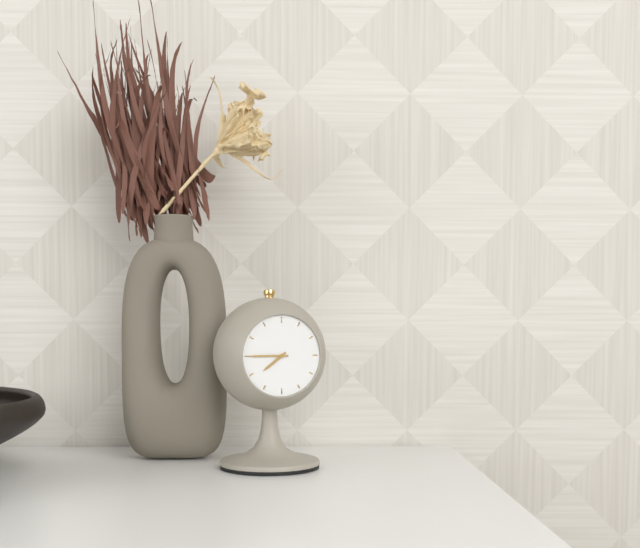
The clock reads 7:45
